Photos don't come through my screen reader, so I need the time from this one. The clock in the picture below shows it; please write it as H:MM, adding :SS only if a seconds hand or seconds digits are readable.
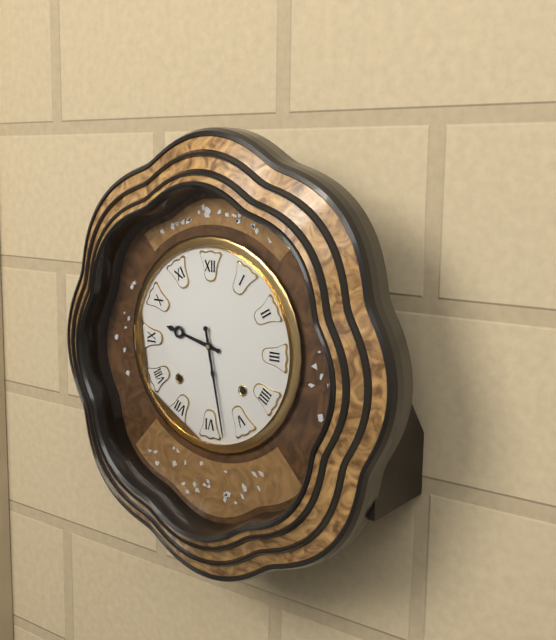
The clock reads 9:28
